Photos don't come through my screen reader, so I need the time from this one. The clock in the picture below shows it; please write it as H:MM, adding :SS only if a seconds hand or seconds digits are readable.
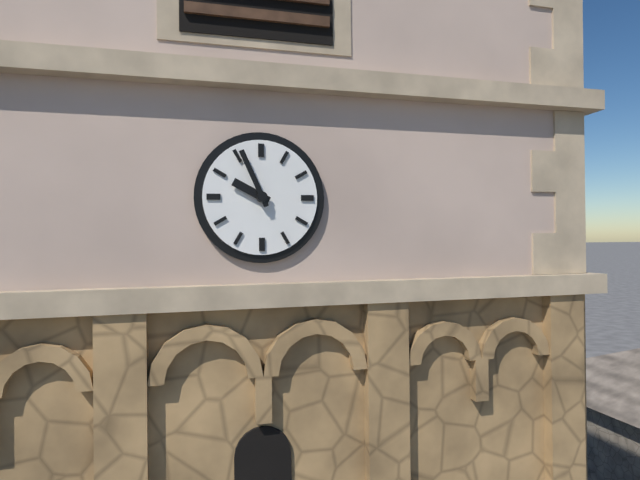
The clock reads 9:56
